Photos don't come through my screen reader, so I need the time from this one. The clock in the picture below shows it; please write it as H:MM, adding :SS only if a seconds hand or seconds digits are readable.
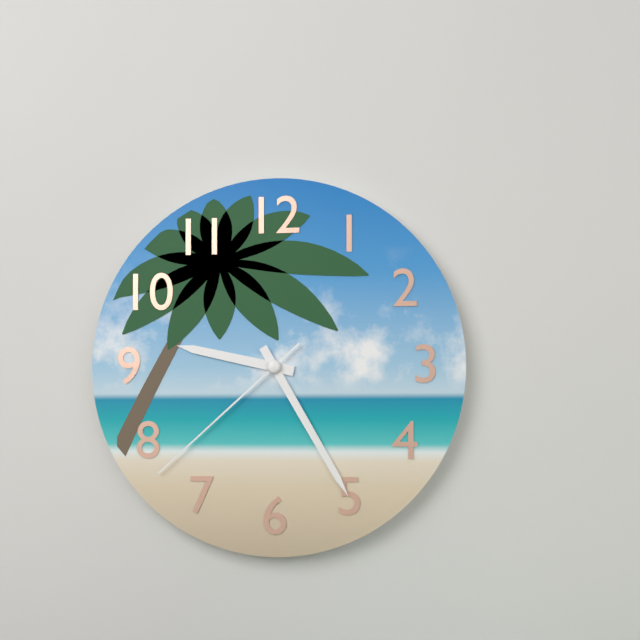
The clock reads 9:25:38
